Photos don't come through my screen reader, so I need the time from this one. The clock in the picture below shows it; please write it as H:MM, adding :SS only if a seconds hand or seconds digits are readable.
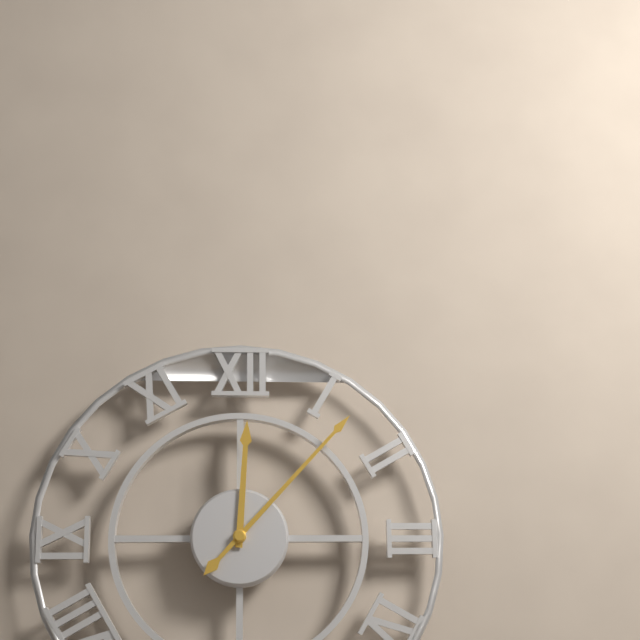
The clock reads 12:07
